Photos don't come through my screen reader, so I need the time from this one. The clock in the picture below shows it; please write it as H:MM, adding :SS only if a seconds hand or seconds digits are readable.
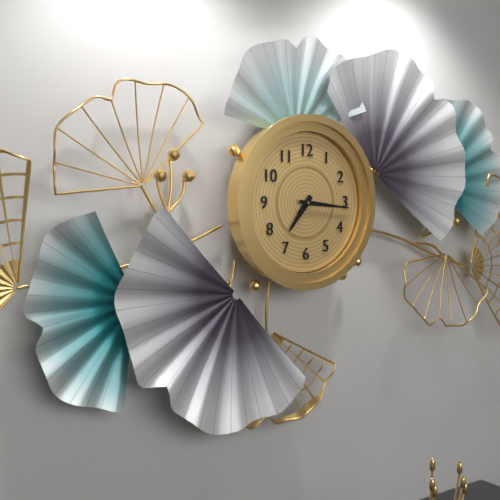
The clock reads 7:16
